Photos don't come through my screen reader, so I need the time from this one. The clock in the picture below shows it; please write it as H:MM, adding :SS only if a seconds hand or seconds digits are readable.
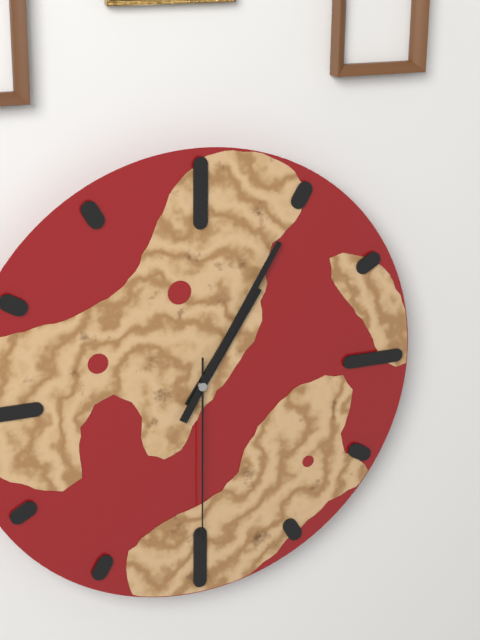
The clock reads 1:05:30
